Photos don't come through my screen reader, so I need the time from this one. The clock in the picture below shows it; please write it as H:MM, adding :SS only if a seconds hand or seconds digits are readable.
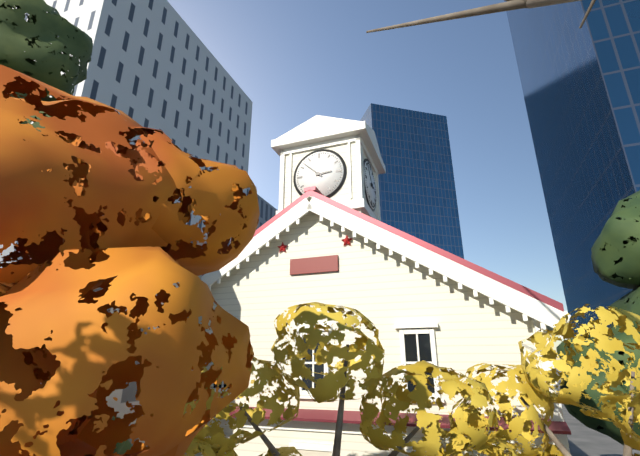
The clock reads 2:52
